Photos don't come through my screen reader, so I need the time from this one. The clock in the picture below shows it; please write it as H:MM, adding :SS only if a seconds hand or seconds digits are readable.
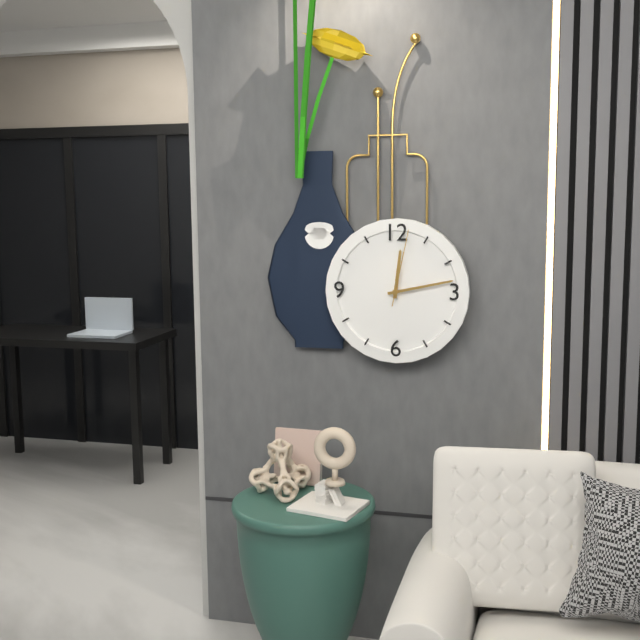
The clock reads 12:13:02
